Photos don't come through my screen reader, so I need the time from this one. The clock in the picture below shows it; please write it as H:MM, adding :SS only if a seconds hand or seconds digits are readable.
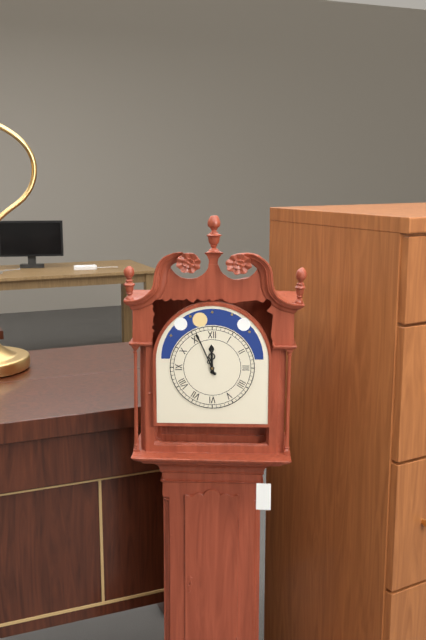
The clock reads 11:56
